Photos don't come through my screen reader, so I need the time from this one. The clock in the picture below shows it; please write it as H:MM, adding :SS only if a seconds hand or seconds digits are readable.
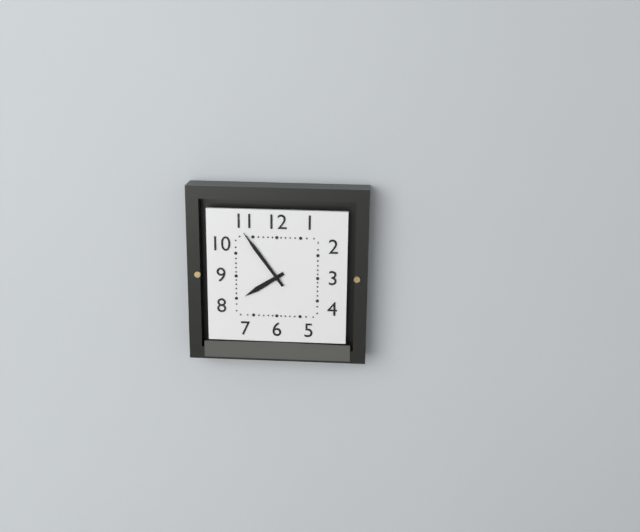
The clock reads 7:54
